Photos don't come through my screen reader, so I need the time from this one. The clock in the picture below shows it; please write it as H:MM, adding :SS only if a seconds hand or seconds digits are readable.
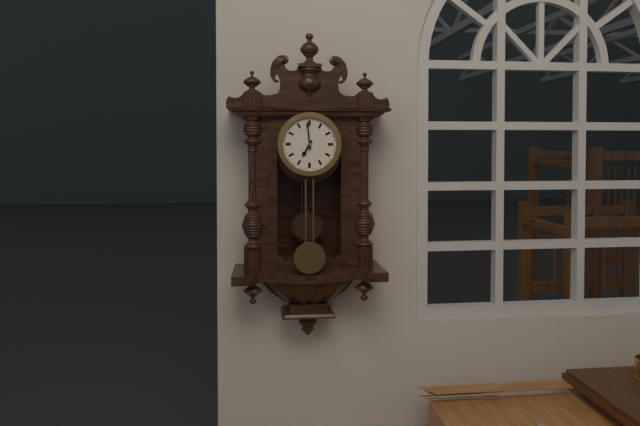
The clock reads 6:59
